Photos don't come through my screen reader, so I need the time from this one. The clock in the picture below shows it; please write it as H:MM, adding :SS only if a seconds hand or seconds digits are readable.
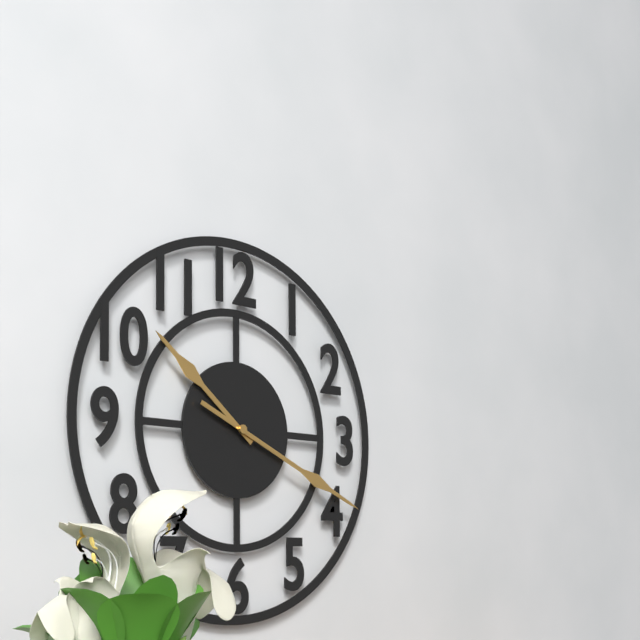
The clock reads 10:19
